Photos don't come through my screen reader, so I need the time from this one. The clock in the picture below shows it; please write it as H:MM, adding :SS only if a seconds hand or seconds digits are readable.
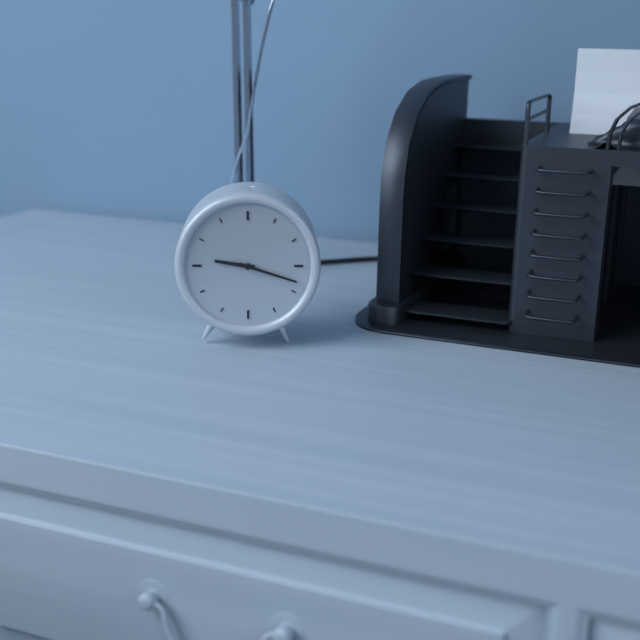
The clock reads 9:18
